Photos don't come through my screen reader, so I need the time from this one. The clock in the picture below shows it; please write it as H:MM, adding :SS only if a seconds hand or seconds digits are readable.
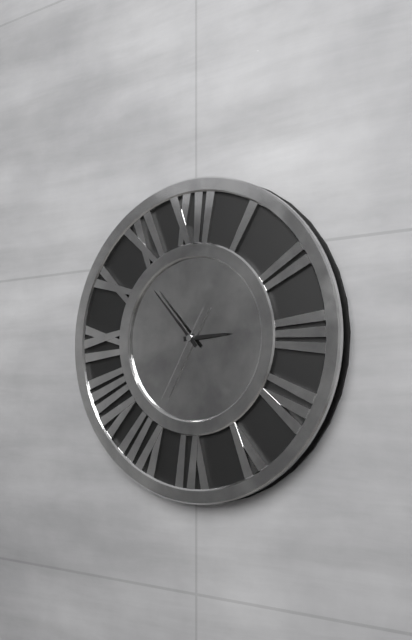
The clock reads 2:53:35
